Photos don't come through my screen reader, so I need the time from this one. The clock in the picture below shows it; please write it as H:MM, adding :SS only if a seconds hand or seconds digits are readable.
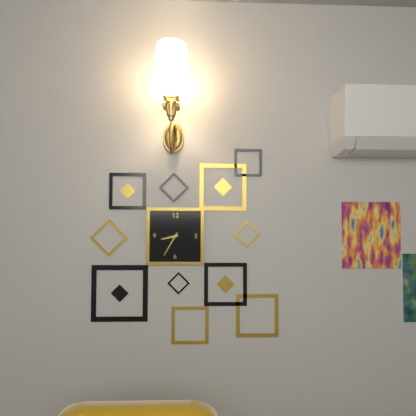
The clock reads 8:35
